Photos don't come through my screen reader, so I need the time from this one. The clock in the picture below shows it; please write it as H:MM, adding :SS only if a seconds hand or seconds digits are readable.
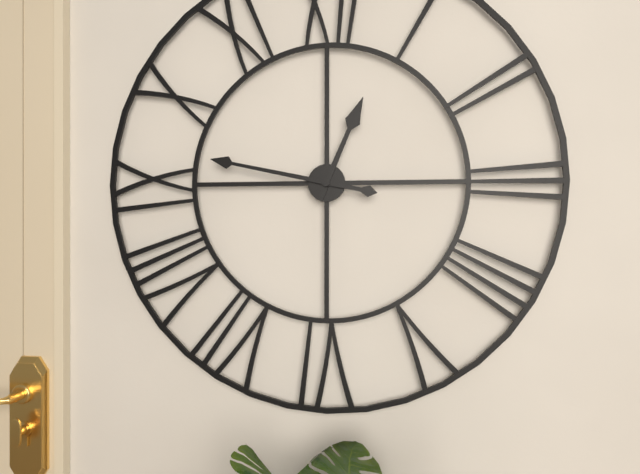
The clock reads 12:47
